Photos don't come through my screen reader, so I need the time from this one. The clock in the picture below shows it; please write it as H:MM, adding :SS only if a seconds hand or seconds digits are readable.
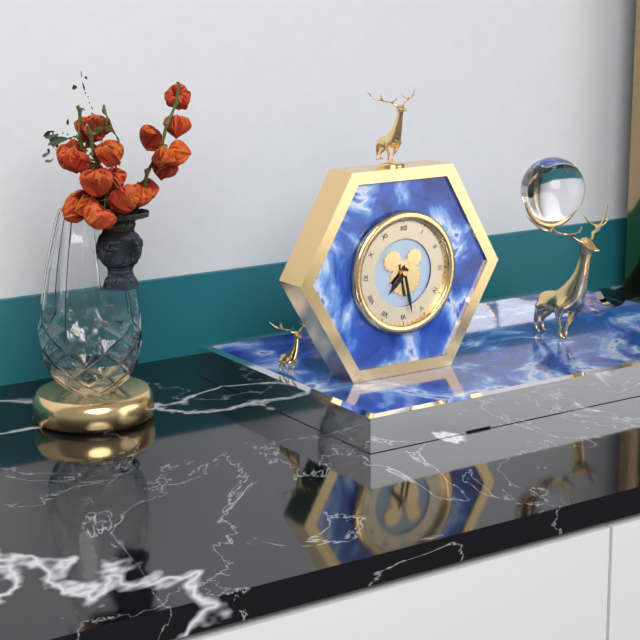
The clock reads 7:28
